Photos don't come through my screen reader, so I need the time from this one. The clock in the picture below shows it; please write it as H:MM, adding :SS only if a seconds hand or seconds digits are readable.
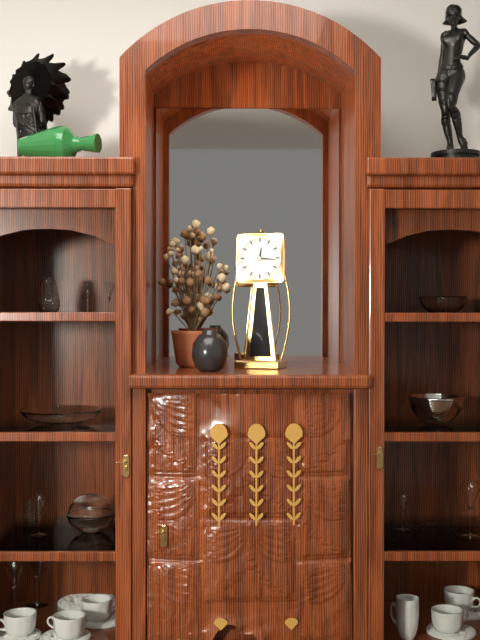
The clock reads 12:16
